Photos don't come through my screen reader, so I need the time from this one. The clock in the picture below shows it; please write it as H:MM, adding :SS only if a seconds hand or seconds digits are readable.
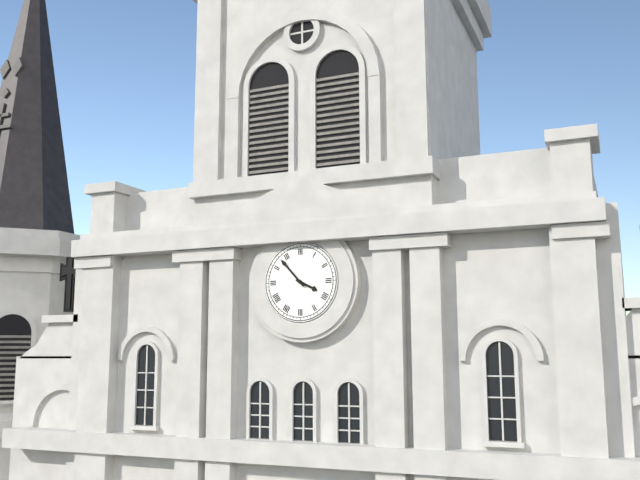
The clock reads 3:53
